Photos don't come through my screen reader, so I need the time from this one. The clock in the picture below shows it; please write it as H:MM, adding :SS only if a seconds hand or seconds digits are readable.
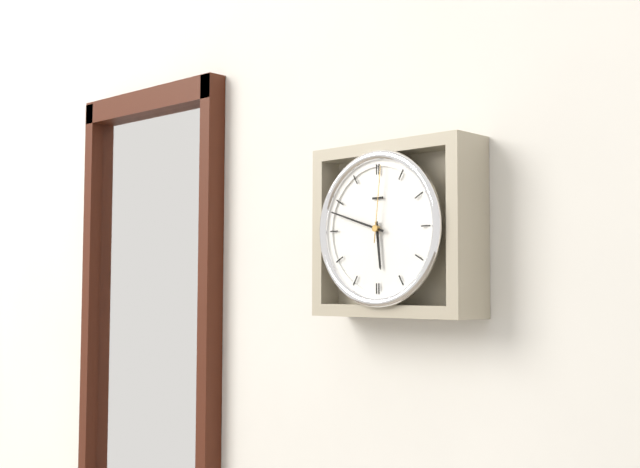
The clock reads 5:48:01
